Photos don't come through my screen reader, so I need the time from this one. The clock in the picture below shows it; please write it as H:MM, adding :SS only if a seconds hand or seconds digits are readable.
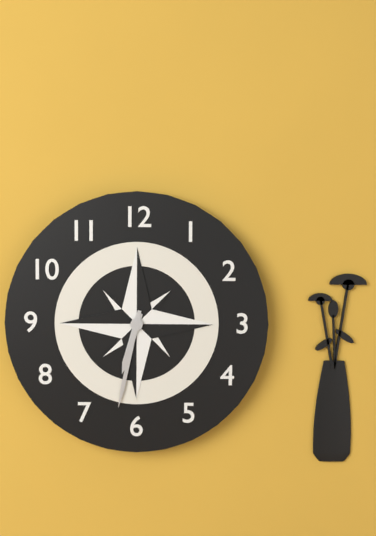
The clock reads 6:32
